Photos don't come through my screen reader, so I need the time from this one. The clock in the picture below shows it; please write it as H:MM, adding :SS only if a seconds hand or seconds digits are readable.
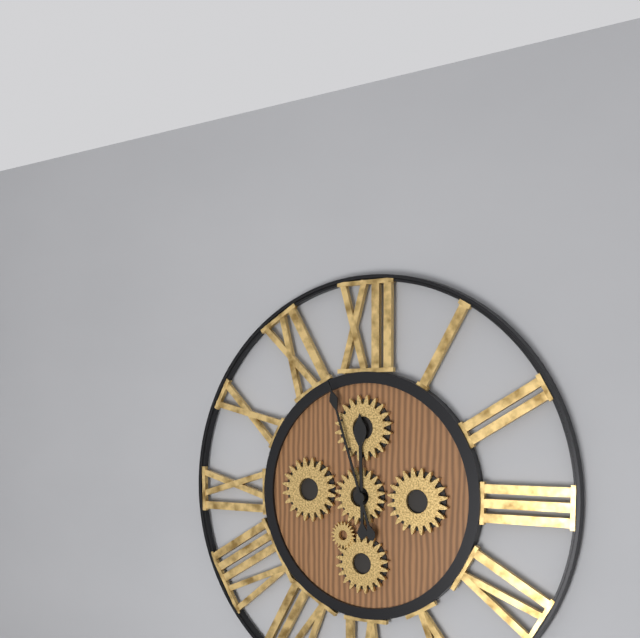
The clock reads 11:57
